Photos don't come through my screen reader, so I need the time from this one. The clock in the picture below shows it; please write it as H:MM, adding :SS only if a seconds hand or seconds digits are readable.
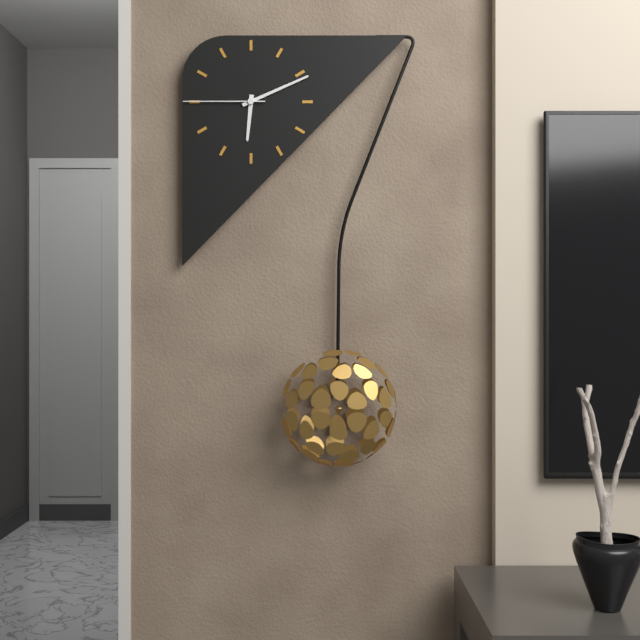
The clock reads 6:11:45
